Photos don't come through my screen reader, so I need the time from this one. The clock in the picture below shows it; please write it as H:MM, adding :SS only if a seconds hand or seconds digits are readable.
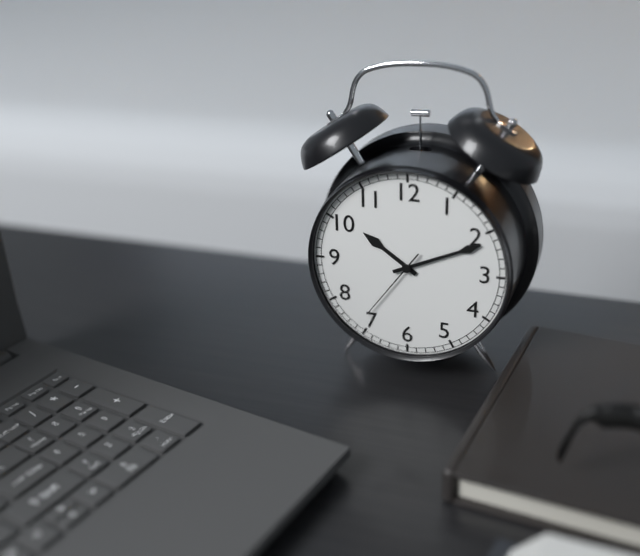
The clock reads 10:11:36
